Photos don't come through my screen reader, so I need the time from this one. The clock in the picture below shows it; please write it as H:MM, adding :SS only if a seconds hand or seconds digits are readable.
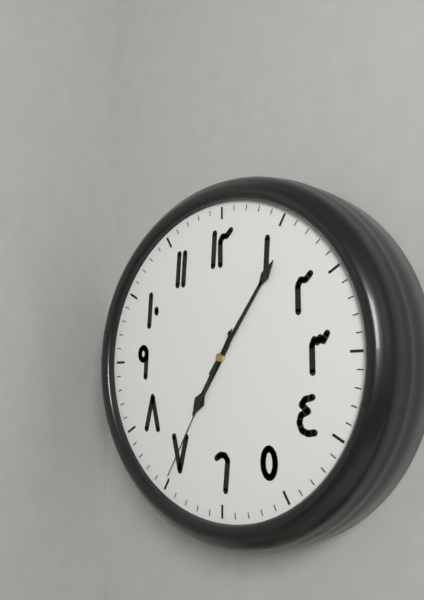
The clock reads 7:06:35
